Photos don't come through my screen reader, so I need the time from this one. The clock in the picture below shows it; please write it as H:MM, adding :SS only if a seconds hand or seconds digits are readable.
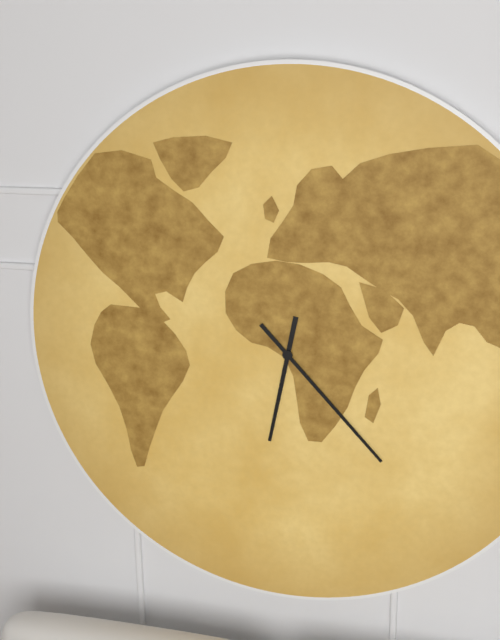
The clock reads 6:23
